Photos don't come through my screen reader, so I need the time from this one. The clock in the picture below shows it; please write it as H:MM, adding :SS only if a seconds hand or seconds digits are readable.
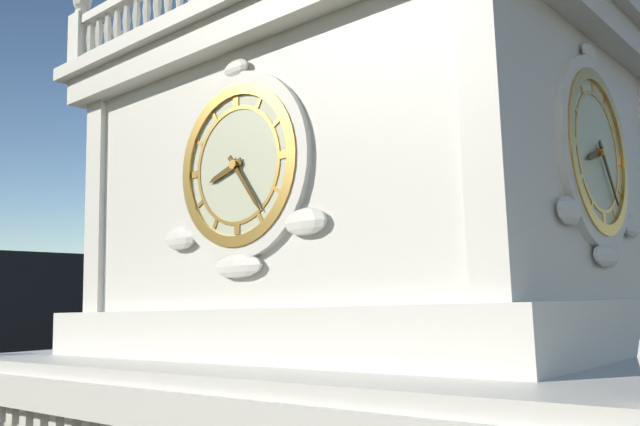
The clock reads 8:24
